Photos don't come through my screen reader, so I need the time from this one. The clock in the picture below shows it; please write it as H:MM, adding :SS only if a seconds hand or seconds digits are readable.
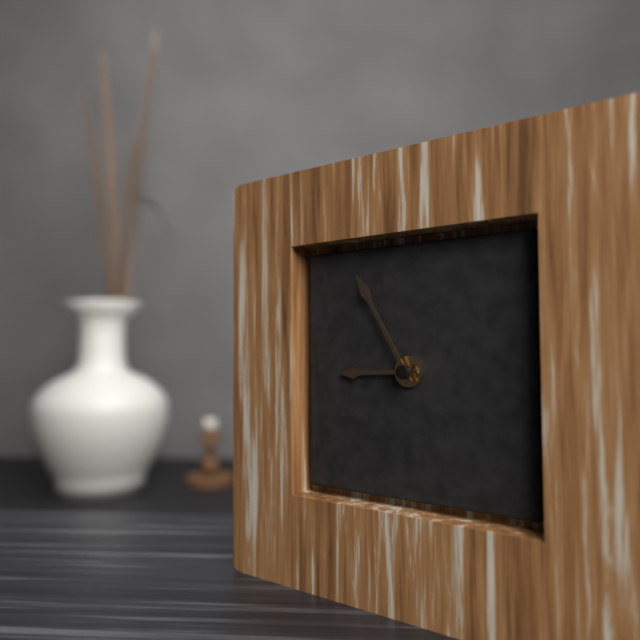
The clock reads 8:55
